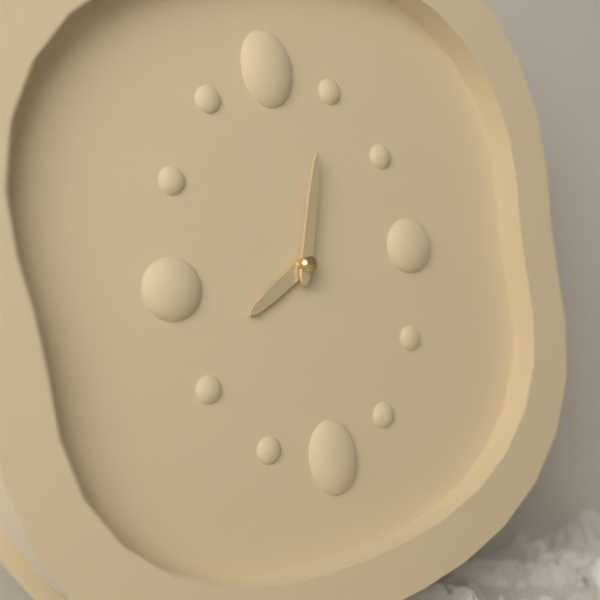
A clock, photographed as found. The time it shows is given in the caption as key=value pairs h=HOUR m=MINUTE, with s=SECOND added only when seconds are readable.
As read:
h=8 m=3
